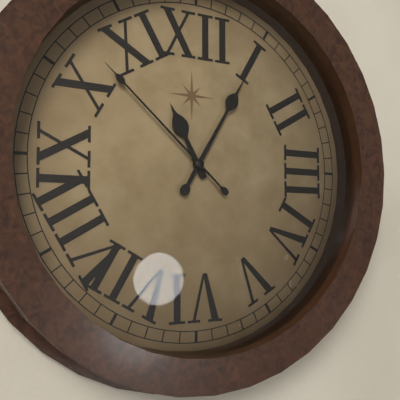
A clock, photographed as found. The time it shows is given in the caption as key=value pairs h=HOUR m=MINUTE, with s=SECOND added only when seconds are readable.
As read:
h=11 m=5 s=52
